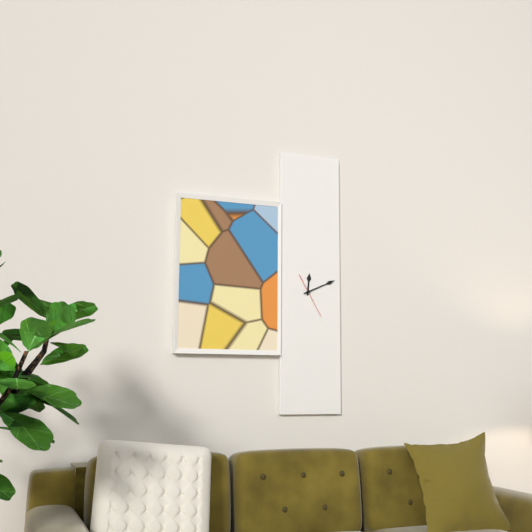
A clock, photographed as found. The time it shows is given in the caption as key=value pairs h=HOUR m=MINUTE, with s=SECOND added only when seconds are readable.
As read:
h=12 m=11
